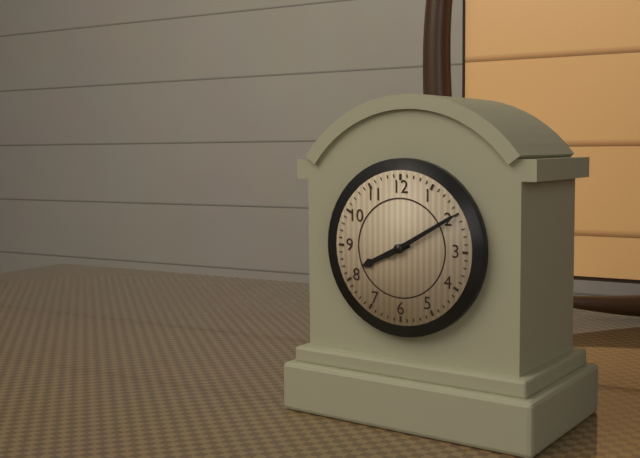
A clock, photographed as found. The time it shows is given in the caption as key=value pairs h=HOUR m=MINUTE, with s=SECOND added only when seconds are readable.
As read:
h=8 m=10
